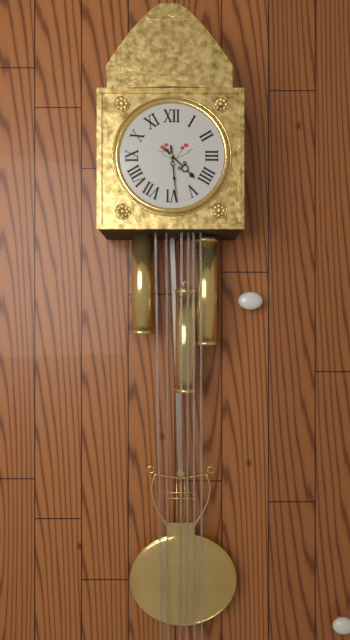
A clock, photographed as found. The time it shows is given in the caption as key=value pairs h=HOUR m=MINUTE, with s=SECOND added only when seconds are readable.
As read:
h=4 m=29
